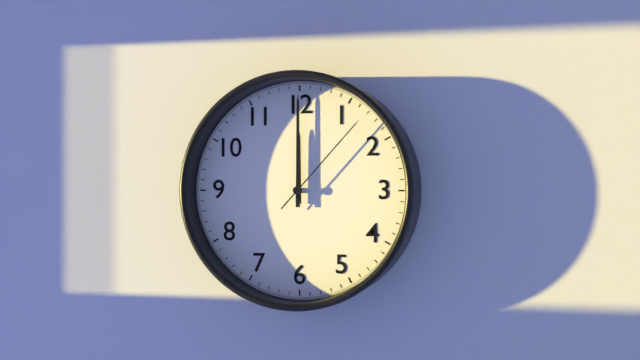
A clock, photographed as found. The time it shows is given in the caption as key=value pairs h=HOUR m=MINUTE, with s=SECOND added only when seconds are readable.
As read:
h=12 m=0 s=7
